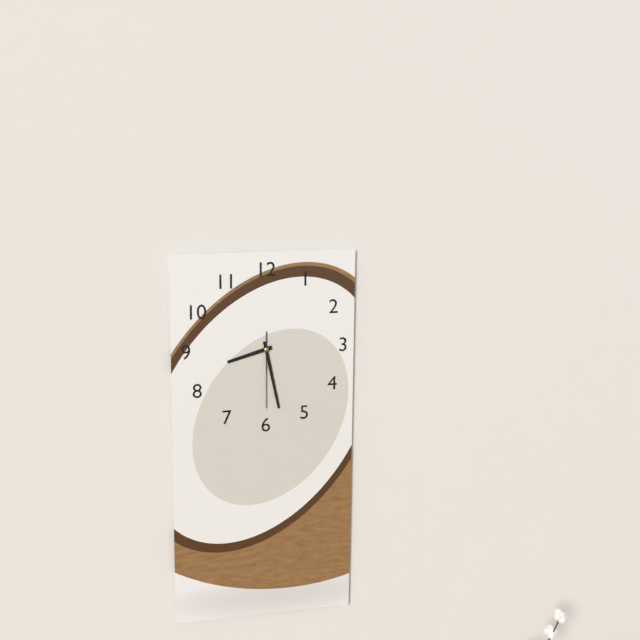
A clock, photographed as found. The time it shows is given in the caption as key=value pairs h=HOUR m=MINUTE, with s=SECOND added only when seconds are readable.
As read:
h=8 m=28 s=30
